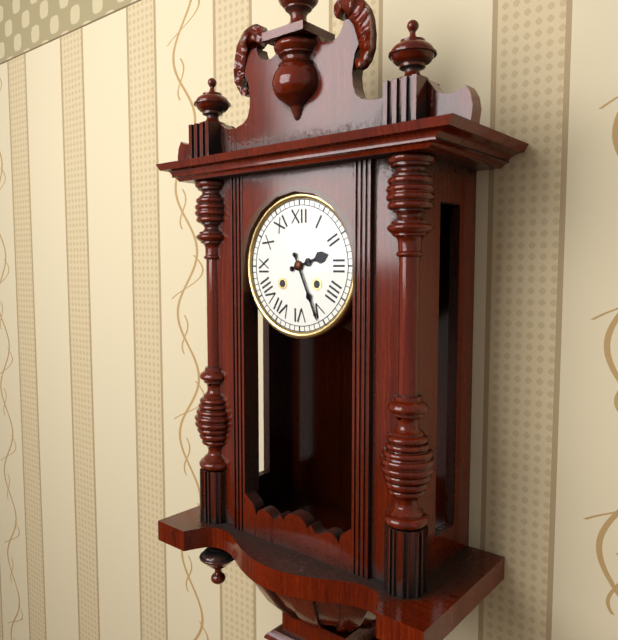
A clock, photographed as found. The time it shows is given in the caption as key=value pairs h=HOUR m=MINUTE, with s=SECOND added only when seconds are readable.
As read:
h=2 m=26
